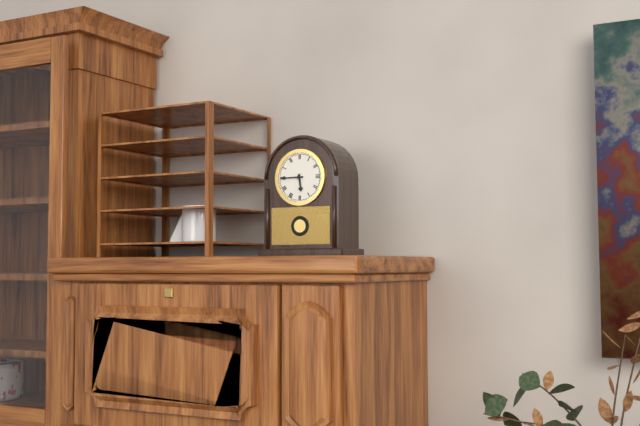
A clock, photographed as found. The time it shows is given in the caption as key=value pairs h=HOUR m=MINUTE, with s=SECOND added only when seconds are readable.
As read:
h=5 m=45
